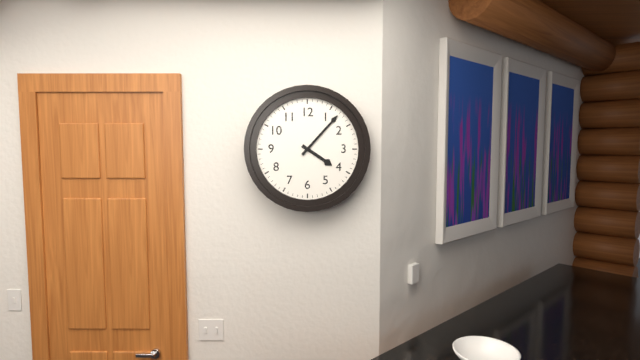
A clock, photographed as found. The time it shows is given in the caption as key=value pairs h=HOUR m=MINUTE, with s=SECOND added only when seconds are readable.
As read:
h=4 m=7
